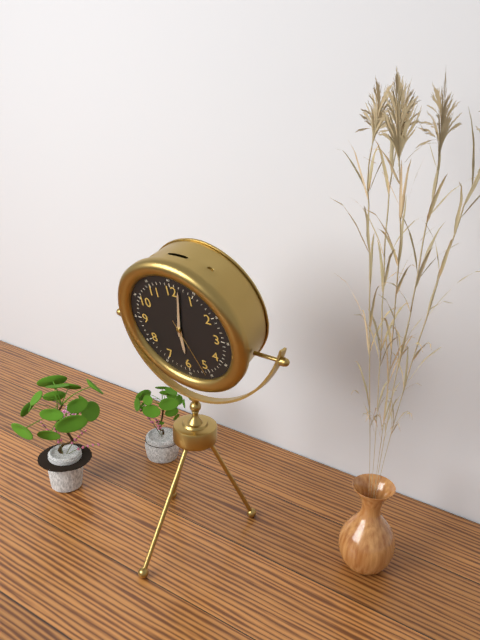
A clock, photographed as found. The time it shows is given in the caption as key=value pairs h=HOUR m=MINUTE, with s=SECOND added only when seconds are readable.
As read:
h=6 m=2 s=26
